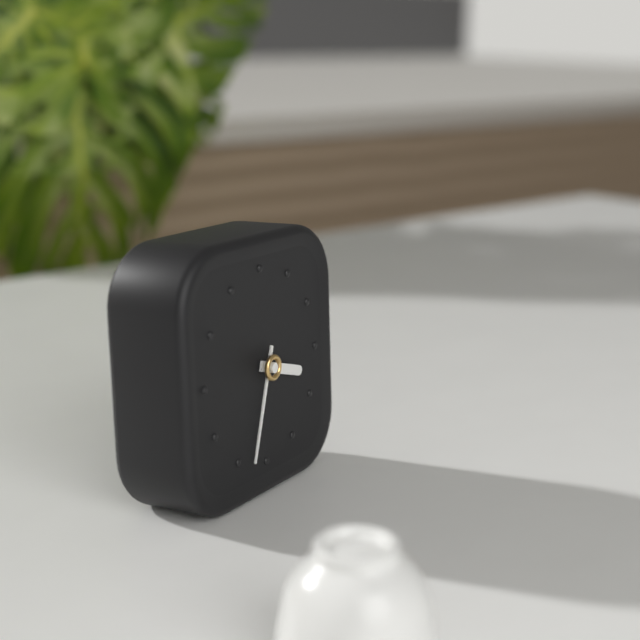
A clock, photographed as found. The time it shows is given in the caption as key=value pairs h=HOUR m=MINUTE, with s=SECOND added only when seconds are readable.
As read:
h=3 m=33
